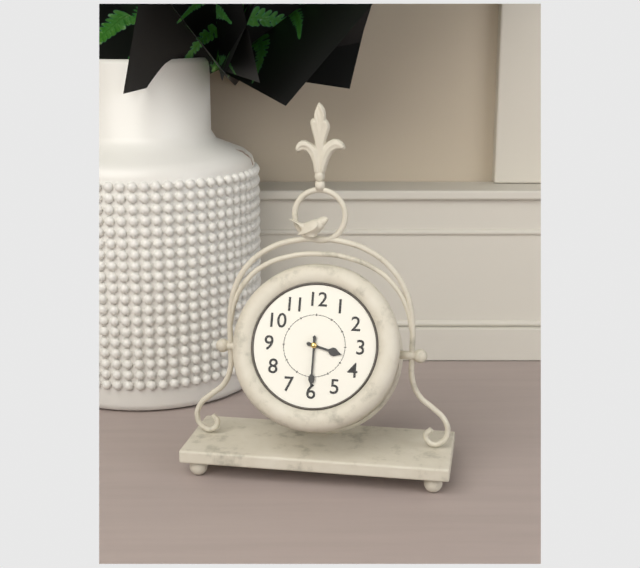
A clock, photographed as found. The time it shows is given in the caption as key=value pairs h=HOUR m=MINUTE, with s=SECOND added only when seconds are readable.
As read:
h=3 m=30
